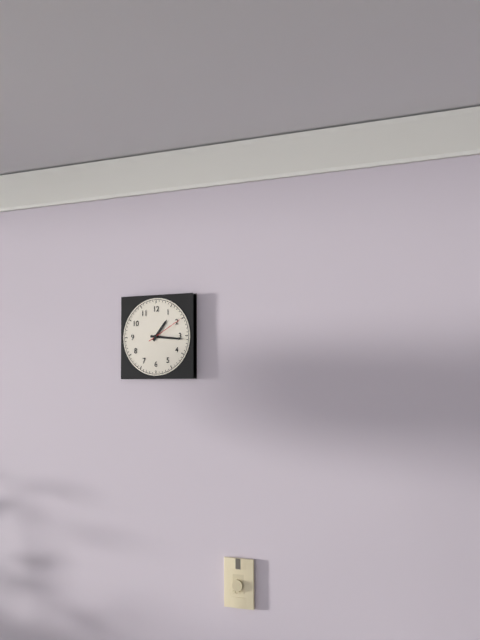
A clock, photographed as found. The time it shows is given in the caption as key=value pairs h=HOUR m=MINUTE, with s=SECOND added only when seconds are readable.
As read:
h=1 m=16
